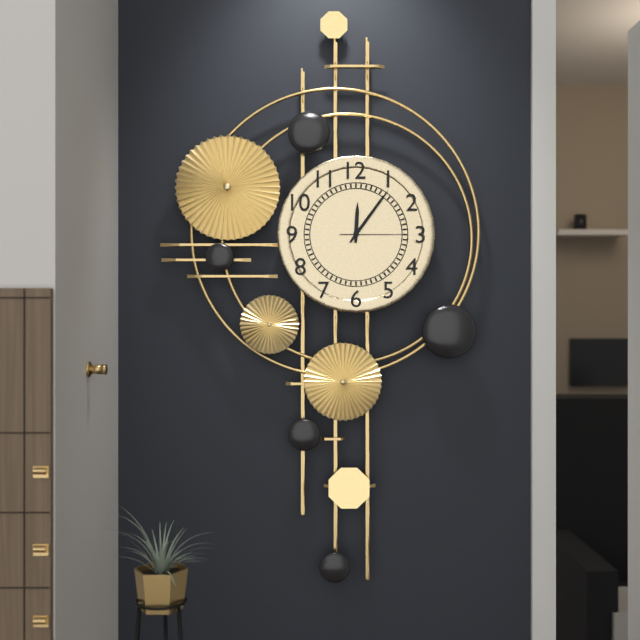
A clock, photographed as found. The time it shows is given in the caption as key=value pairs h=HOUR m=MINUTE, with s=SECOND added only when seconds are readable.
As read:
h=12 m=6 s=15
